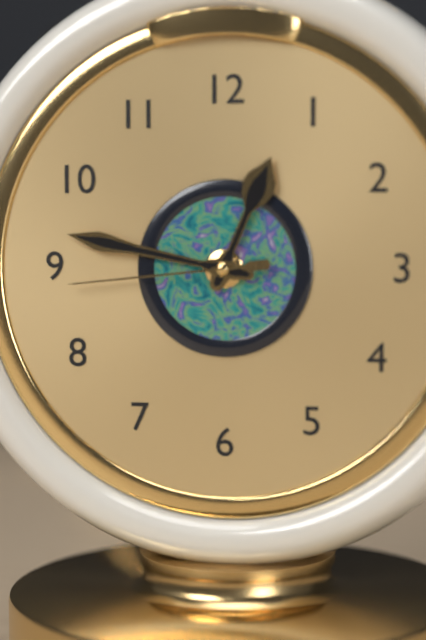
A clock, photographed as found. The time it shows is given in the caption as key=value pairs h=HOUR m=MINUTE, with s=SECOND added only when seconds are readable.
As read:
h=12 m=47 s=44
